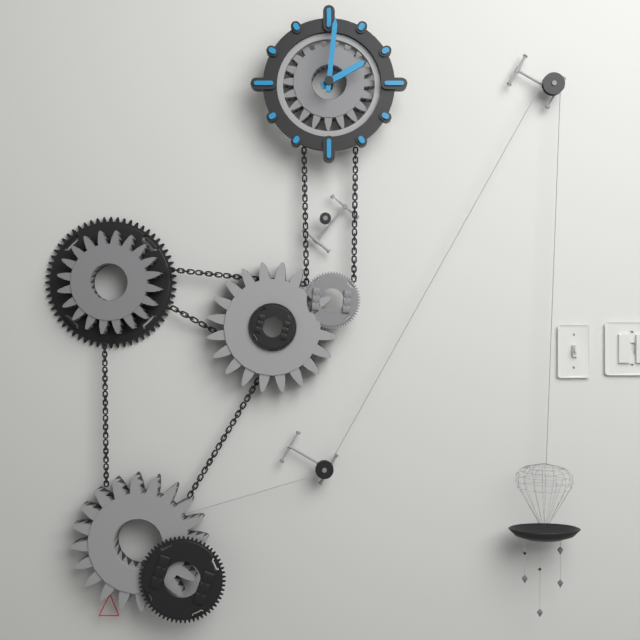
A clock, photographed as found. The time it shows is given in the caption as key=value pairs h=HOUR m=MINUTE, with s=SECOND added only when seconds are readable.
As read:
h=2 m=1
